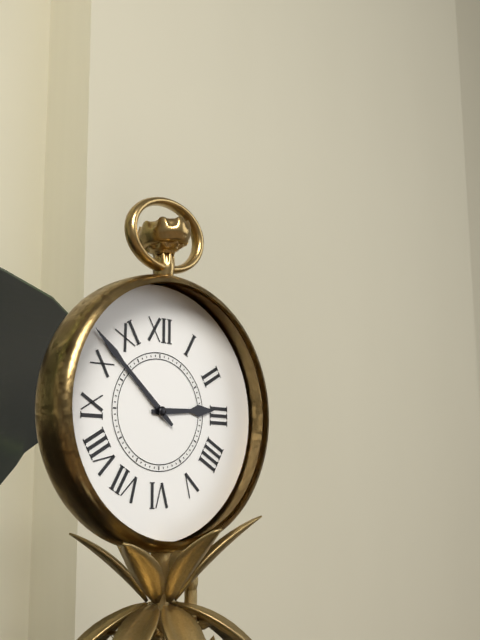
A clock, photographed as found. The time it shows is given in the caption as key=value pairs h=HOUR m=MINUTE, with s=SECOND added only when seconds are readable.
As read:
h=2 m=52
